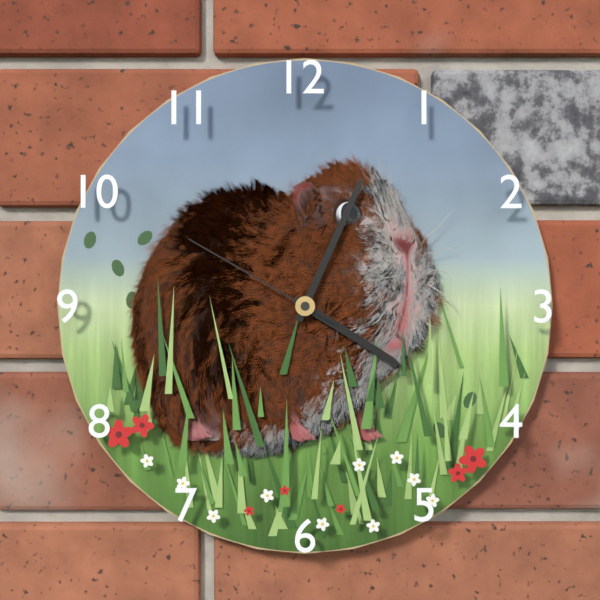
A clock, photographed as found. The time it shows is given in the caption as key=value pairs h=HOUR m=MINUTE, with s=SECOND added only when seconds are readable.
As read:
h=4 m=4 s=50
